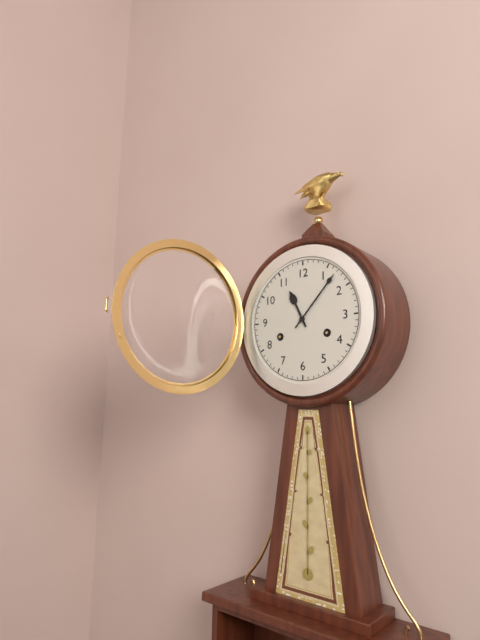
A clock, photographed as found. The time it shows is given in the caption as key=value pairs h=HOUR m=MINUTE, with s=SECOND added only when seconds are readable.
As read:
h=11 m=7
